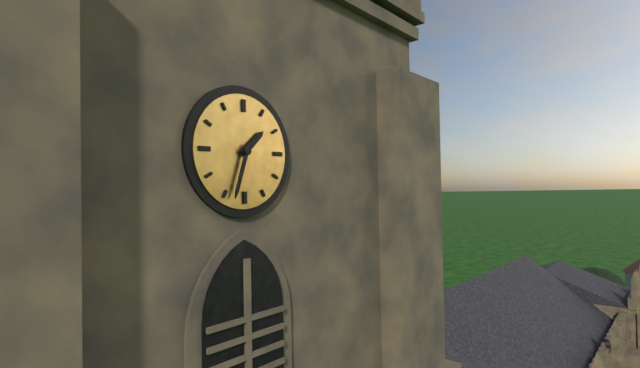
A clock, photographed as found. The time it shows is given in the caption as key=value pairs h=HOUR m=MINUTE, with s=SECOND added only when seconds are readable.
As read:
h=1 m=33
